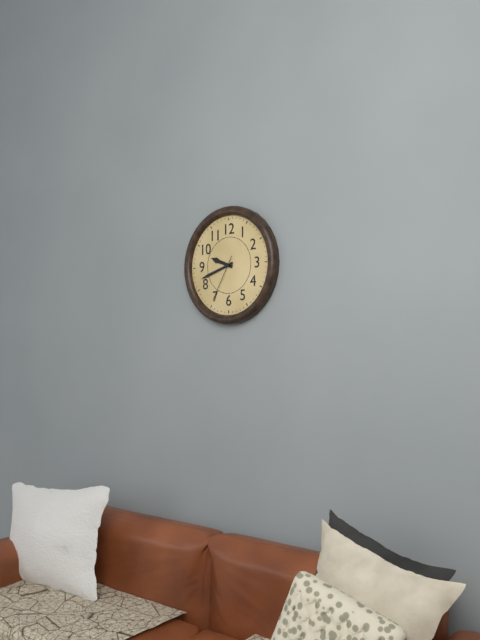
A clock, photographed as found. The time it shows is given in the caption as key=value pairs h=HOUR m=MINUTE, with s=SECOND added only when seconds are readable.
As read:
h=9 m=42
